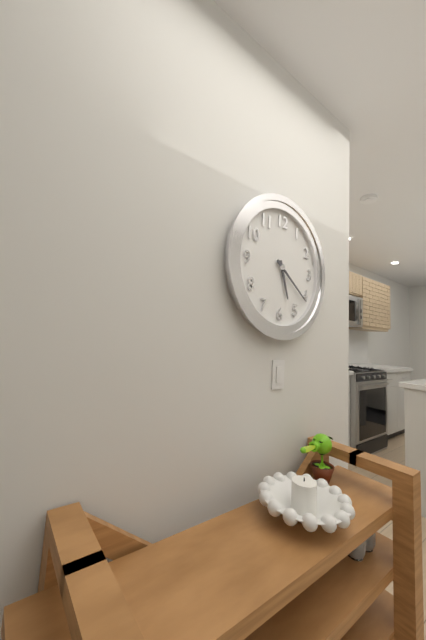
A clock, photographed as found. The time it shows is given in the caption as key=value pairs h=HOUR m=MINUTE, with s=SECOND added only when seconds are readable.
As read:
h=5 m=21
